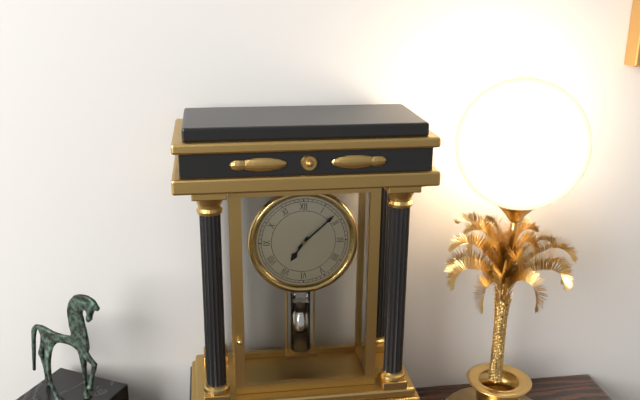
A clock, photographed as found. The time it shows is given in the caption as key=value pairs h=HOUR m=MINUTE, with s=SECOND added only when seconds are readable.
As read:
h=7 m=8
